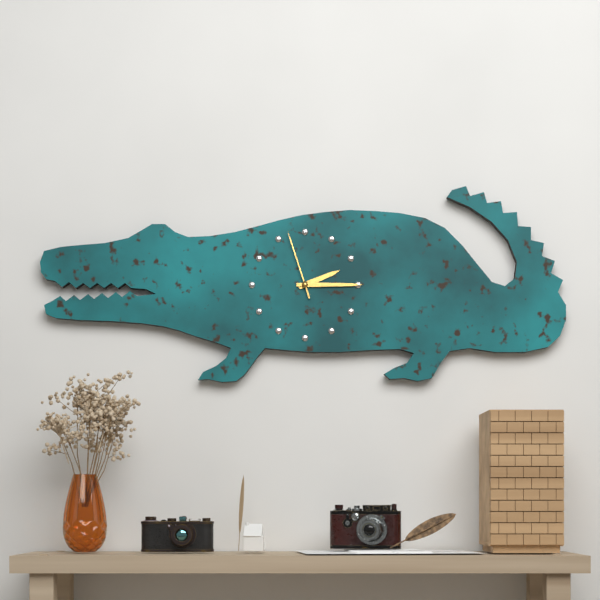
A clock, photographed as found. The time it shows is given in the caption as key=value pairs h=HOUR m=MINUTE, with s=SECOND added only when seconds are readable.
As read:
h=2 m=15 s=57
